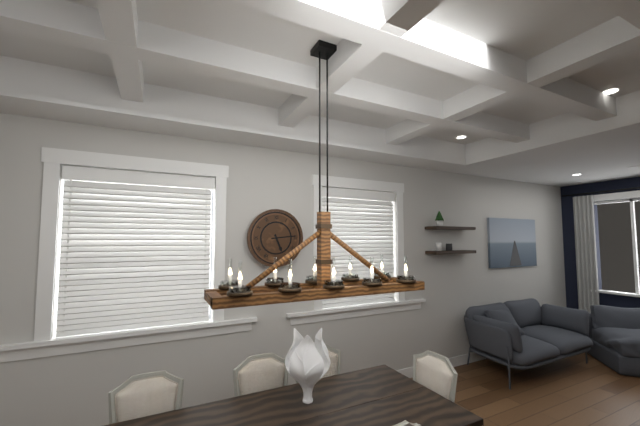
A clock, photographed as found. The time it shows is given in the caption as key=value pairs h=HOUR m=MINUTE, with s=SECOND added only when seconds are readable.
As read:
h=5 m=14
